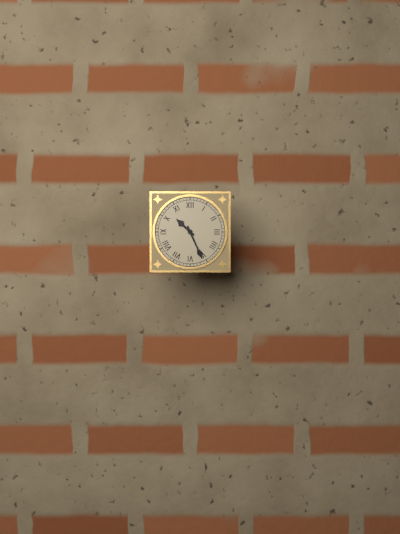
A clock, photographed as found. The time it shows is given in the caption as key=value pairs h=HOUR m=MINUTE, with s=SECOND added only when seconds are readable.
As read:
h=10 m=26
